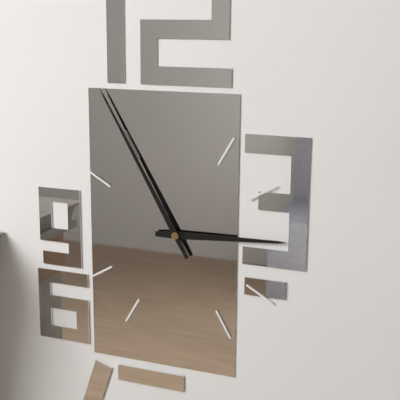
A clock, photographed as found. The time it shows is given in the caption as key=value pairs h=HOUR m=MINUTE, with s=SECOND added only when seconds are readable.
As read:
h=2 m=55
